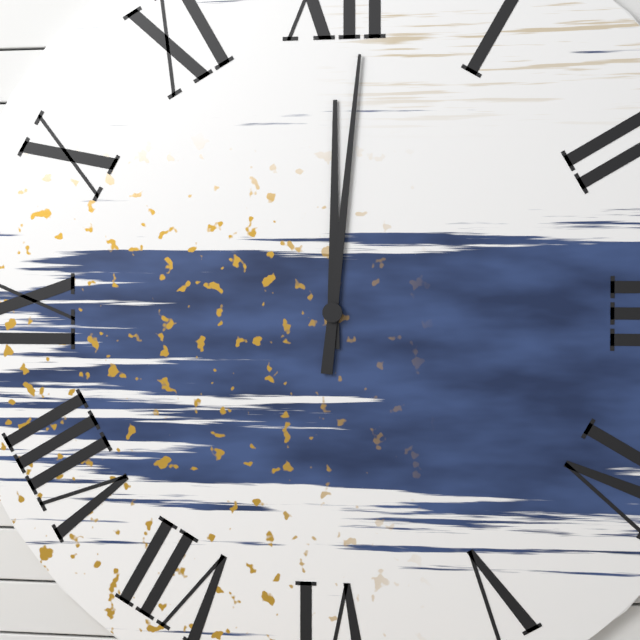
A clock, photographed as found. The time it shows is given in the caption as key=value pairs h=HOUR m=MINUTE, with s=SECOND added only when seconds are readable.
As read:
h=12 m=1
